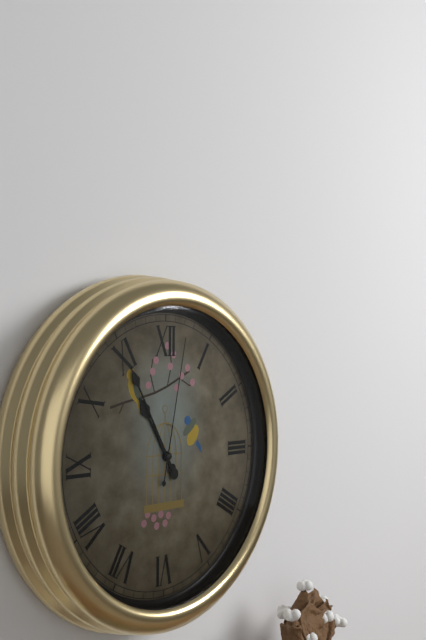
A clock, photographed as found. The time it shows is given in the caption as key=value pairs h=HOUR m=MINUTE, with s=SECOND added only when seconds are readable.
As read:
h=10 m=55 s=2
